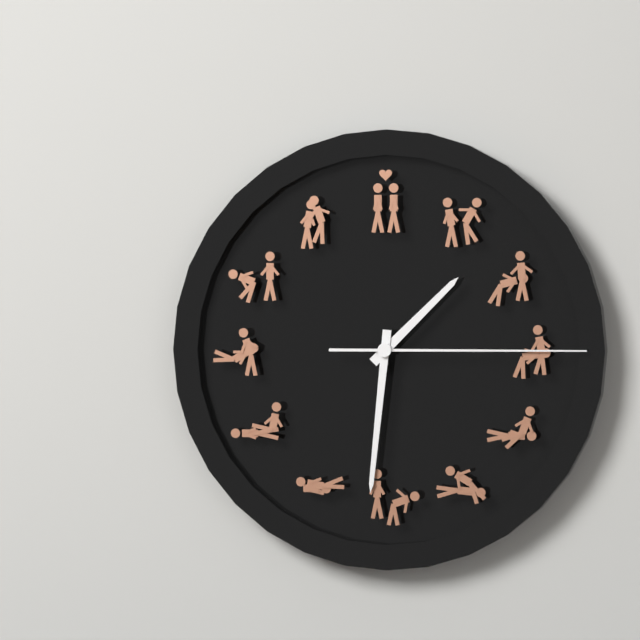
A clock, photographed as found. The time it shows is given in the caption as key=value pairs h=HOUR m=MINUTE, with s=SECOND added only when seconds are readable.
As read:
h=1 m=31 s=15
